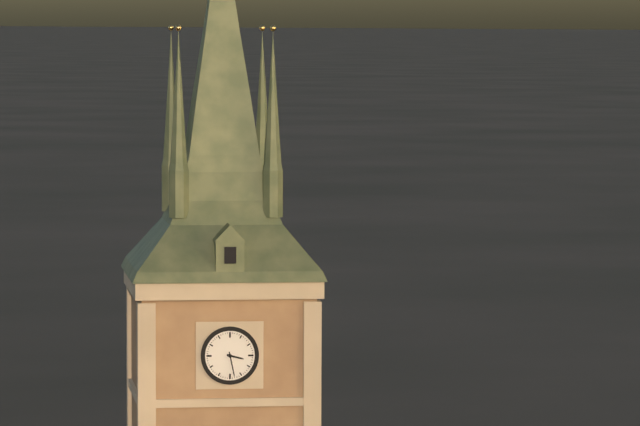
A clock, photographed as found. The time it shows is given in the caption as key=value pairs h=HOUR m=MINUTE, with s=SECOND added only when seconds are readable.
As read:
h=3 m=28
